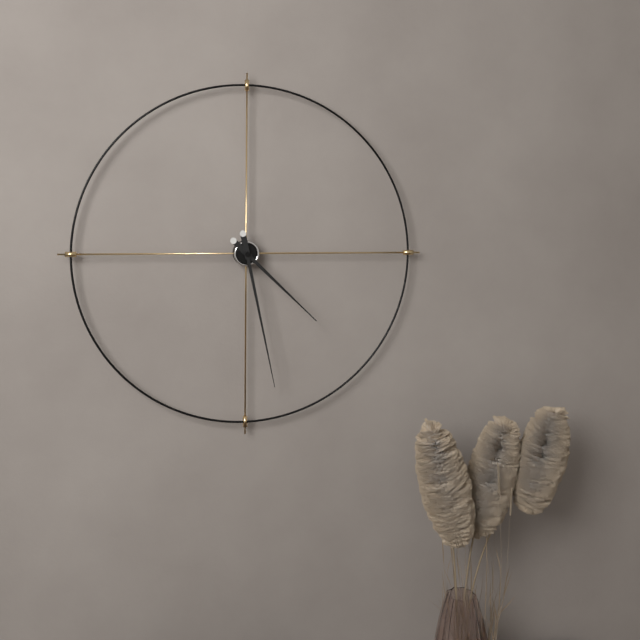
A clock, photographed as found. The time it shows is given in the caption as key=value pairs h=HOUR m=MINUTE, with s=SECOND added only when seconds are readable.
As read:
h=4 m=28
